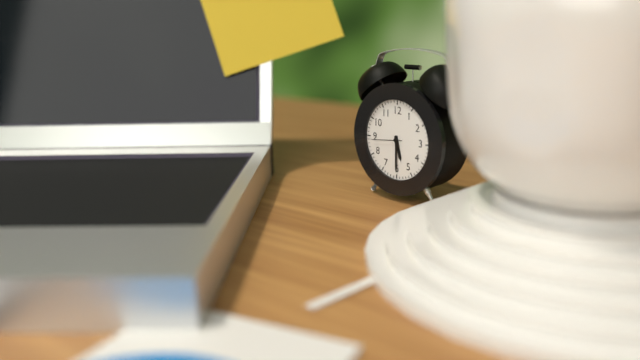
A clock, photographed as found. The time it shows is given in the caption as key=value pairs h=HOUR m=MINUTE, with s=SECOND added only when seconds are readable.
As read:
h=5 m=30
